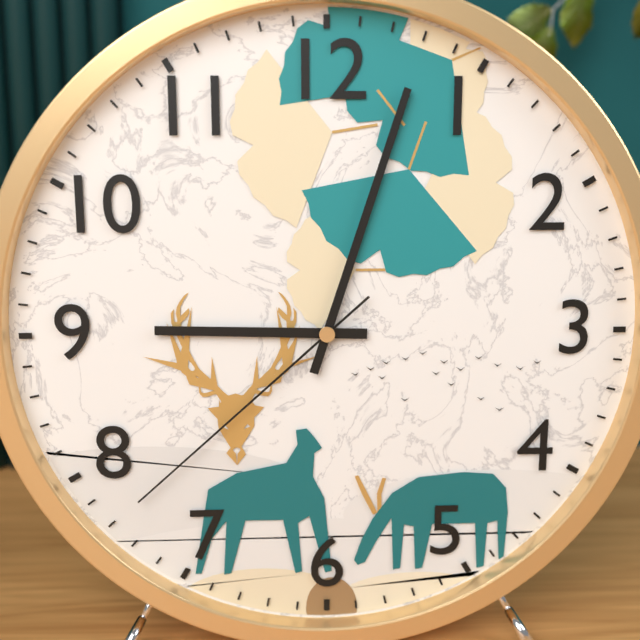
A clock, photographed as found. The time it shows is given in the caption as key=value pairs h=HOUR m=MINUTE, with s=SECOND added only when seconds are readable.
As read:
h=9 m=3 s=38
